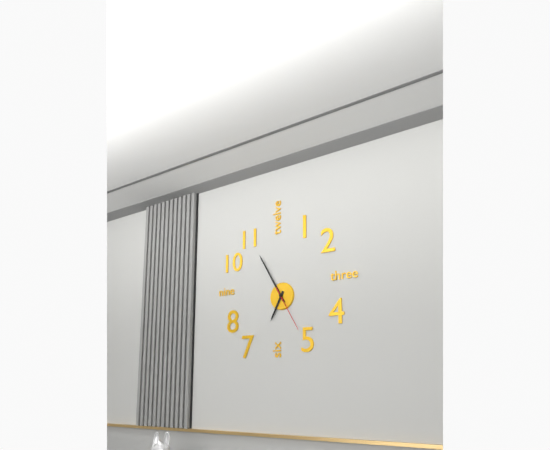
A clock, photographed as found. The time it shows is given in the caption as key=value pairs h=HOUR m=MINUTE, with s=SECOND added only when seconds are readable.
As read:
h=6 m=55
